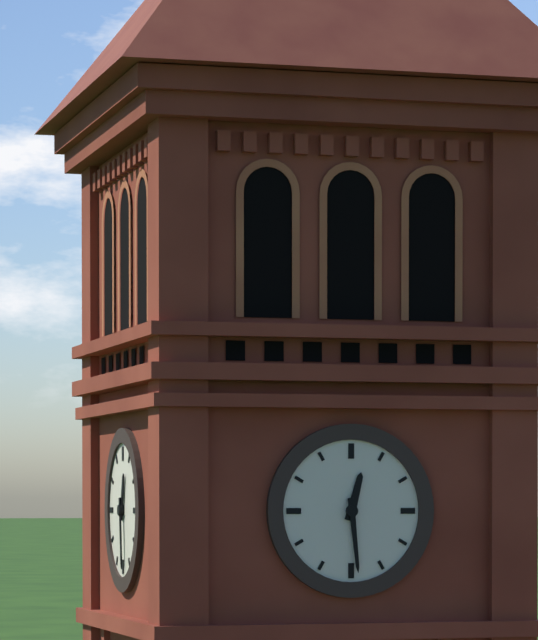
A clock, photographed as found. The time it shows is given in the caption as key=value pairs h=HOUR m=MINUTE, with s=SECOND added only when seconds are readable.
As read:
h=12 m=29
